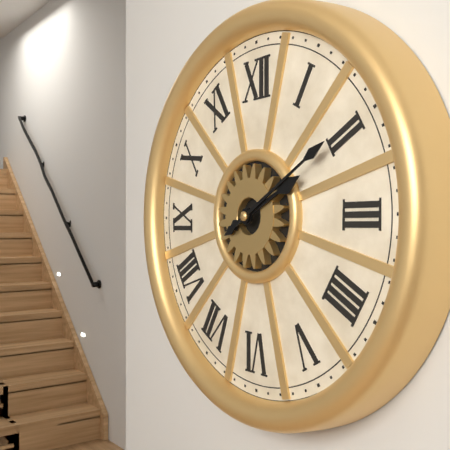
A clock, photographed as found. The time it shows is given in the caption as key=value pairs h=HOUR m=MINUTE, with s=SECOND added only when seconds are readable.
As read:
h=2 m=10
